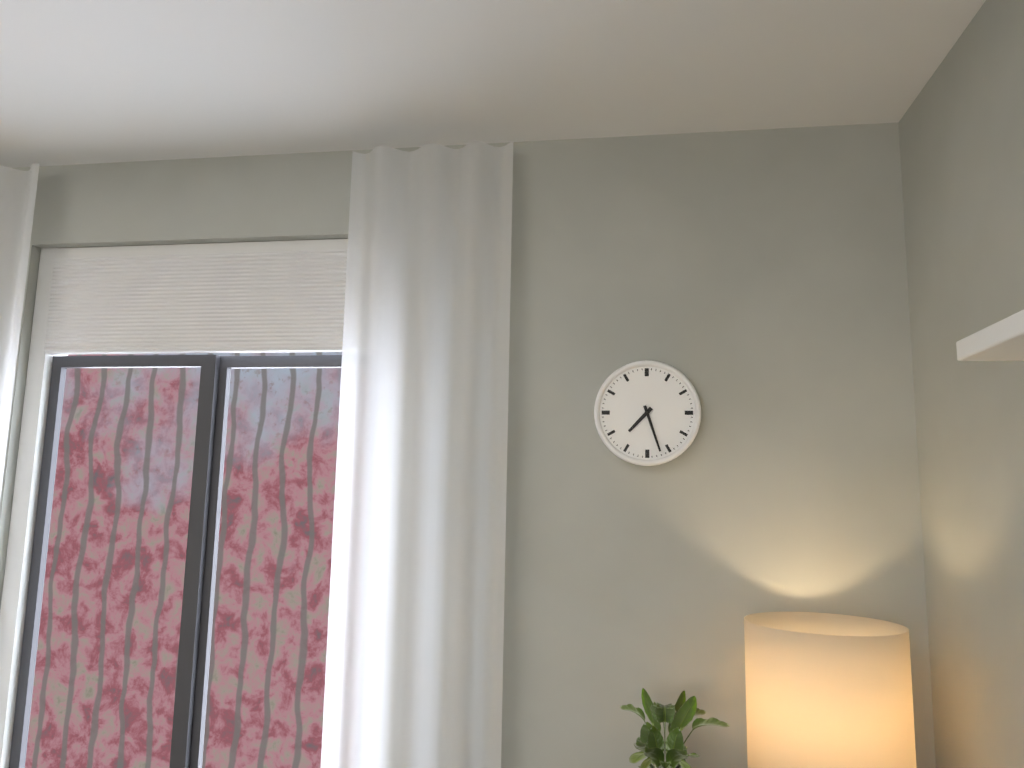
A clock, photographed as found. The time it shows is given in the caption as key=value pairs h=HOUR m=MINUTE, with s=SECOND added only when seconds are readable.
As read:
h=7 m=27
